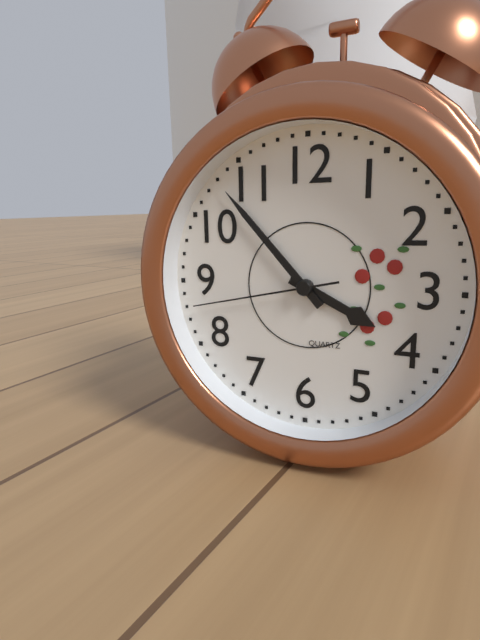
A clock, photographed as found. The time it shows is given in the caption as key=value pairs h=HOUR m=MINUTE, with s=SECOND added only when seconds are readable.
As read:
h=3 m=53 s=43
